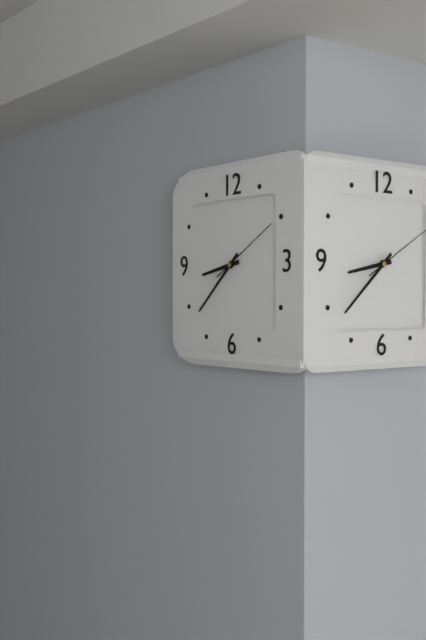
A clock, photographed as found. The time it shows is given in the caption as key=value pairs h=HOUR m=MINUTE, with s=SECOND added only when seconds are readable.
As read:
h=8 m=38 s=10
